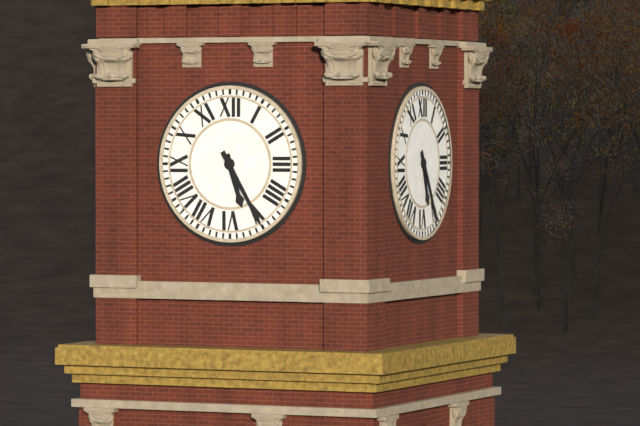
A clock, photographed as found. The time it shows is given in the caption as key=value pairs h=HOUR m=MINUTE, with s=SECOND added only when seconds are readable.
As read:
h=5 m=25
